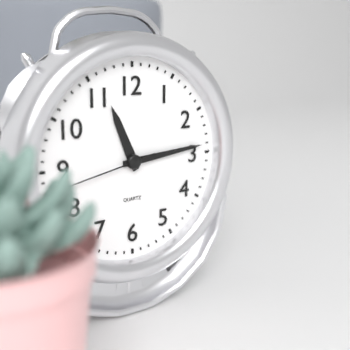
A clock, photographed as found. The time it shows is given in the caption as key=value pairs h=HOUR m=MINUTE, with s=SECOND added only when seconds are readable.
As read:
h=11 m=14 s=43
